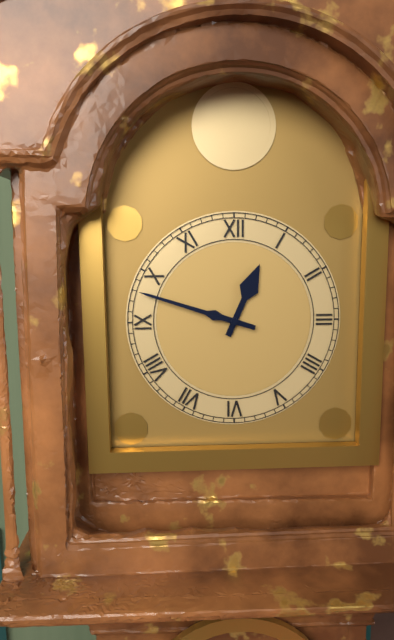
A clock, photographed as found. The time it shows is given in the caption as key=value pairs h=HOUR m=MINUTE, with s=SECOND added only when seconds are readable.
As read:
h=12 m=48
